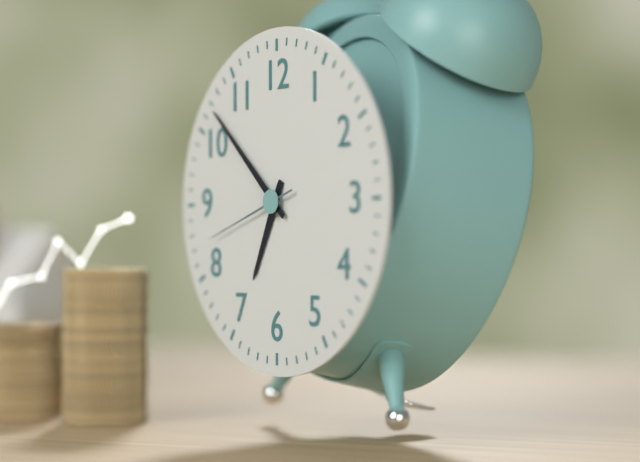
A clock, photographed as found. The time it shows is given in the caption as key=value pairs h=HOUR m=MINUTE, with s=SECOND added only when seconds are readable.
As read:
h=6 m=52 s=42
